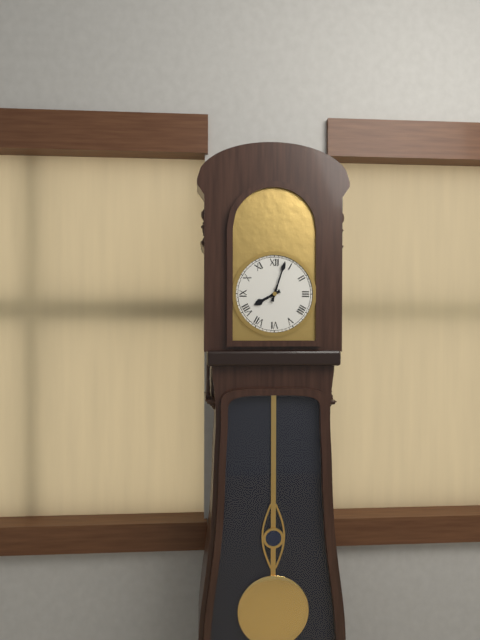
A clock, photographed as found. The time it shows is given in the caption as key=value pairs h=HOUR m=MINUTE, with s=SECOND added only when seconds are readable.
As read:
h=8 m=3
